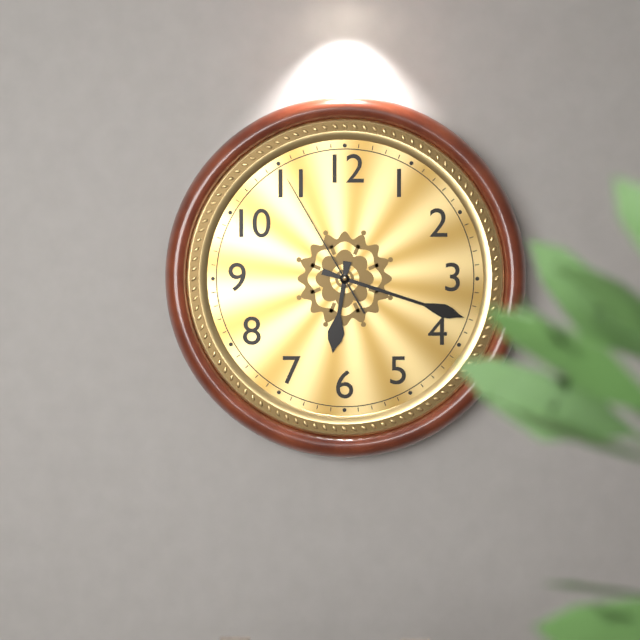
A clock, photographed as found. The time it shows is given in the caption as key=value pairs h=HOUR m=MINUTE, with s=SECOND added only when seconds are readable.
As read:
h=6 m=18 s=55
